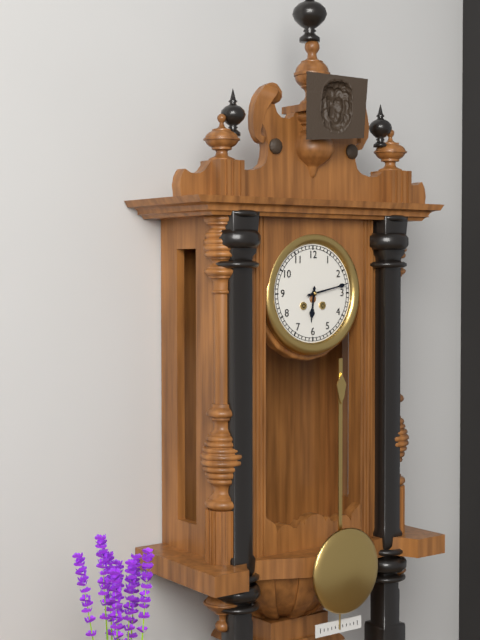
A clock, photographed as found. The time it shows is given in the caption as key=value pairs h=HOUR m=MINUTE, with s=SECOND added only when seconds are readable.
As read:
h=6 m=13
